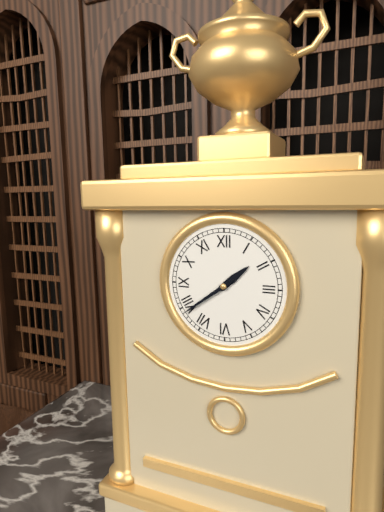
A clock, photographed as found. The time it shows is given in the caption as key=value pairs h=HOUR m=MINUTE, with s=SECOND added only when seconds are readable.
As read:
h=1 m=39
